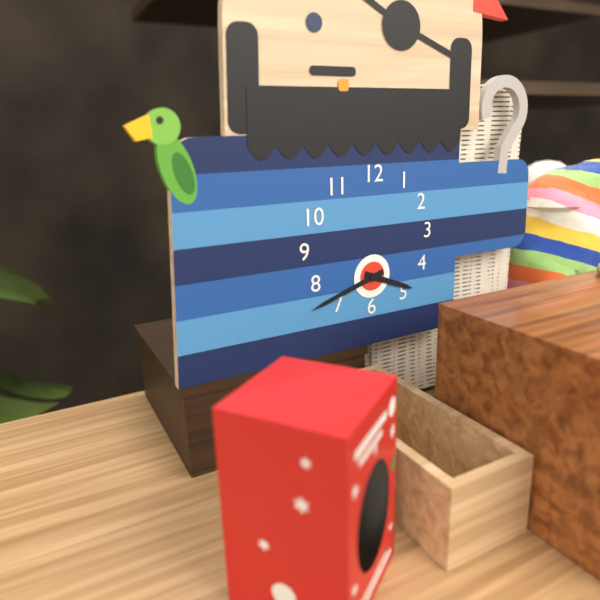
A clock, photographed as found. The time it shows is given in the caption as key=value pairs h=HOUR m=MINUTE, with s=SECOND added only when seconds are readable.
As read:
h=3 m=42
